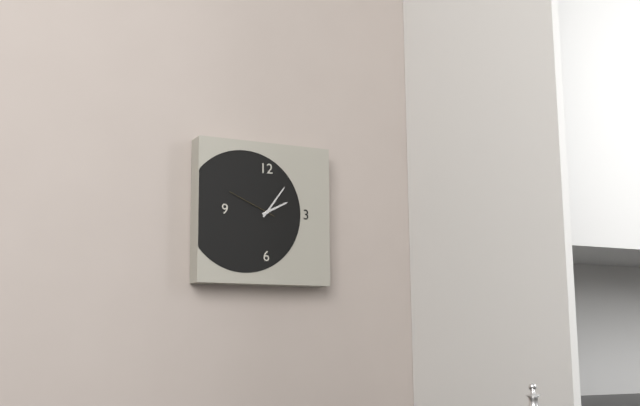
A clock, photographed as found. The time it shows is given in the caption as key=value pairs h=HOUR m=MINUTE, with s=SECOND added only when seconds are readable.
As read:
h=2 m=6 s=49
